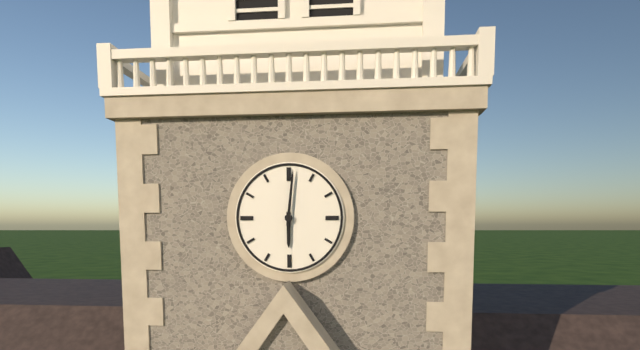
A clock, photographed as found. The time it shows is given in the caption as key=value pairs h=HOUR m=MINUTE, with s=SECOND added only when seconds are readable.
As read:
h=6 m=1
